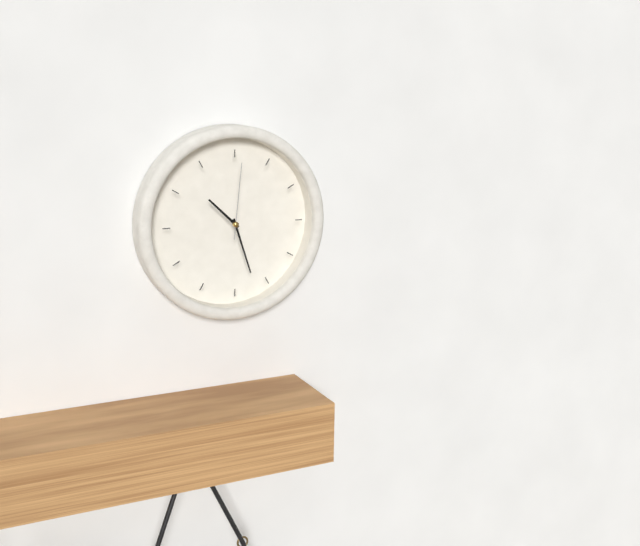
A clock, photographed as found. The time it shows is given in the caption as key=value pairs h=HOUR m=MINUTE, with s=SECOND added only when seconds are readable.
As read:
h=10 m=27 s=1
